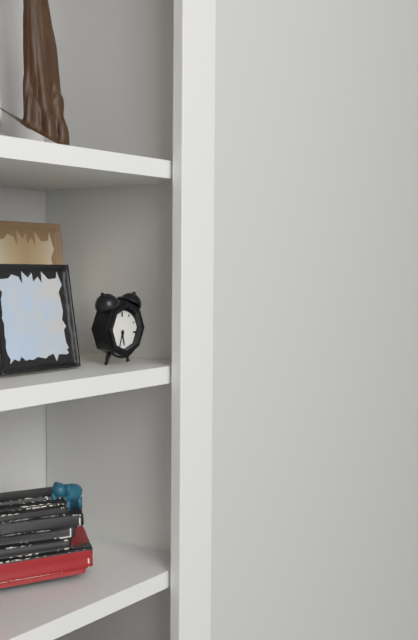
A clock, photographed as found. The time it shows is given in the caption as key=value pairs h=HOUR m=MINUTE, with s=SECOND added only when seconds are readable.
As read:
h=5 m=33
